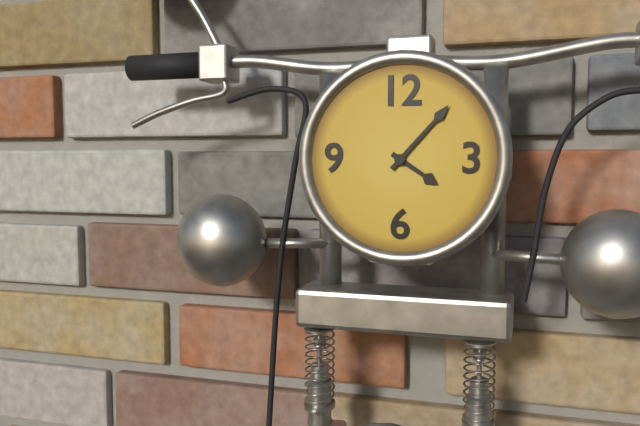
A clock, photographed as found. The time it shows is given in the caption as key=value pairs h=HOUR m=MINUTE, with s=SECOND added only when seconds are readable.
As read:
h=4 m=7
